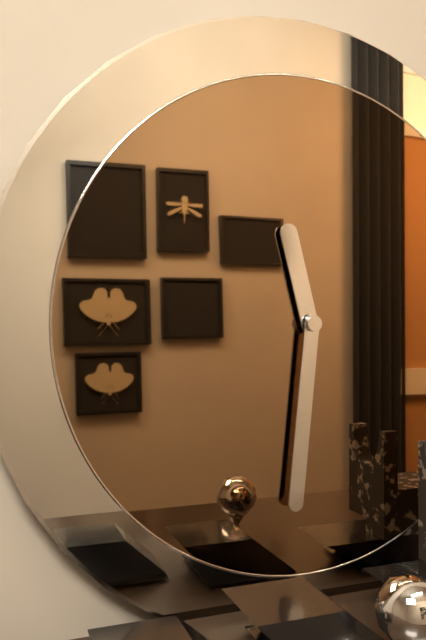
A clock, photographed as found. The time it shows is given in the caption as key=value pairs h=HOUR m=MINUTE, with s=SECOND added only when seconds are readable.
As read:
h=11 m=31
